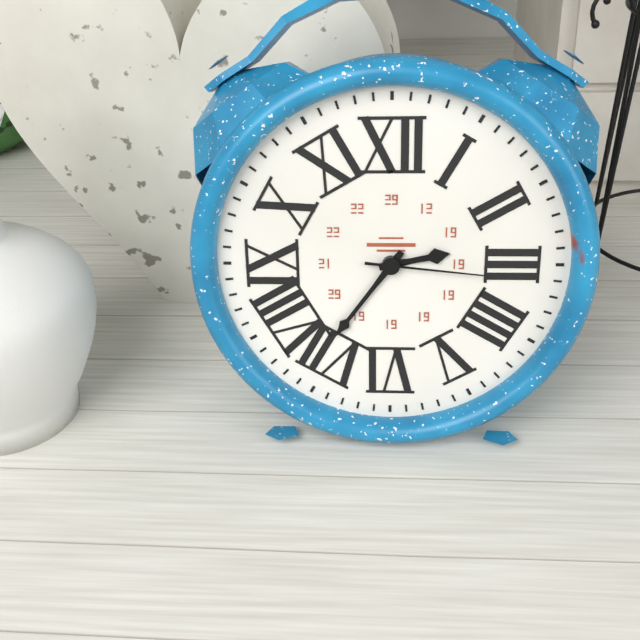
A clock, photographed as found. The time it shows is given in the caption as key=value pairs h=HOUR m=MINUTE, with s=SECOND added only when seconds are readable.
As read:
h=2 m=36 s=16
